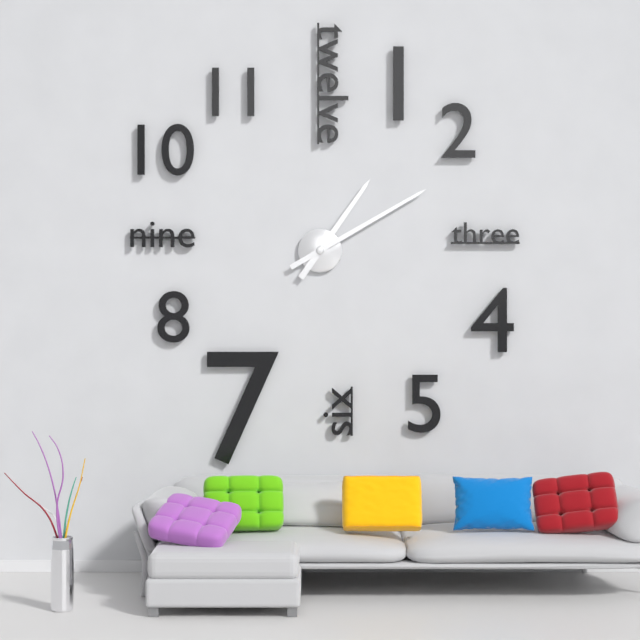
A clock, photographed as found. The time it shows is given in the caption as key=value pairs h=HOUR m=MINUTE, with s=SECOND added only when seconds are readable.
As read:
h=1 m=10
